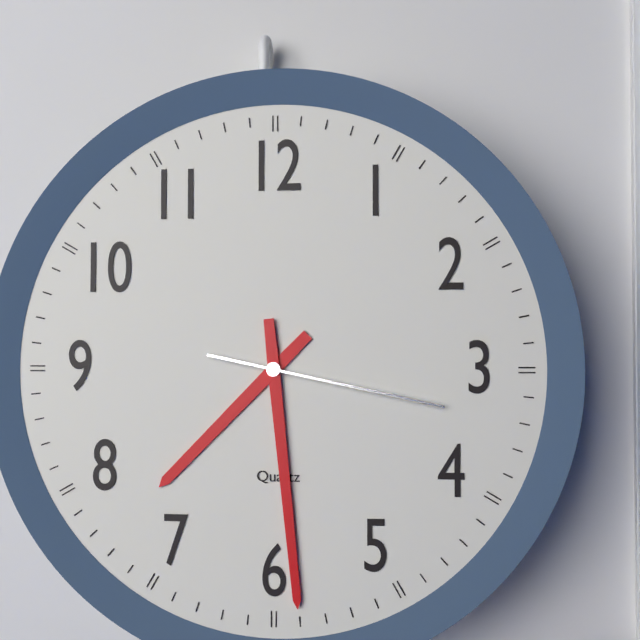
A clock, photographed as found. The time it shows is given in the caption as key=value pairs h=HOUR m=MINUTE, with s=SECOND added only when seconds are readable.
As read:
h=7 m=29 s=17
